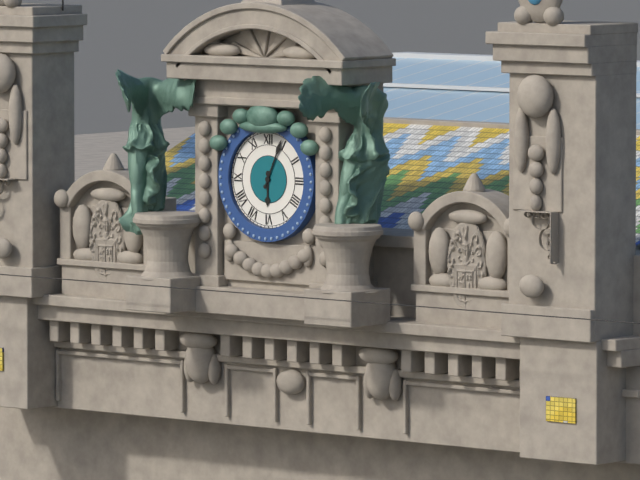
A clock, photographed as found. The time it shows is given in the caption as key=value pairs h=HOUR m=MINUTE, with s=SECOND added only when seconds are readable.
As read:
h=6 m=4
